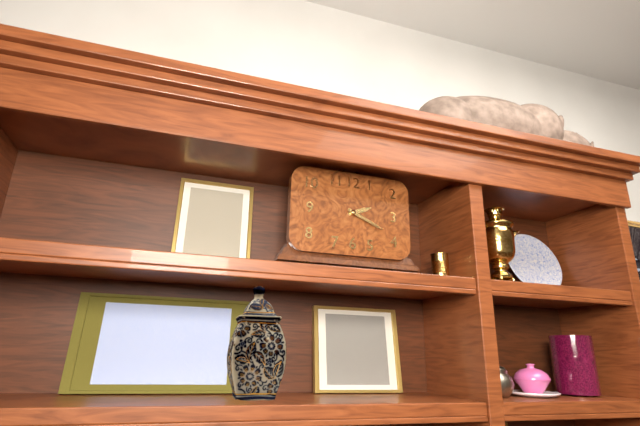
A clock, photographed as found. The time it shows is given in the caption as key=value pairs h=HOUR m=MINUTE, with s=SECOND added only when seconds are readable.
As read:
h=2 m=19
